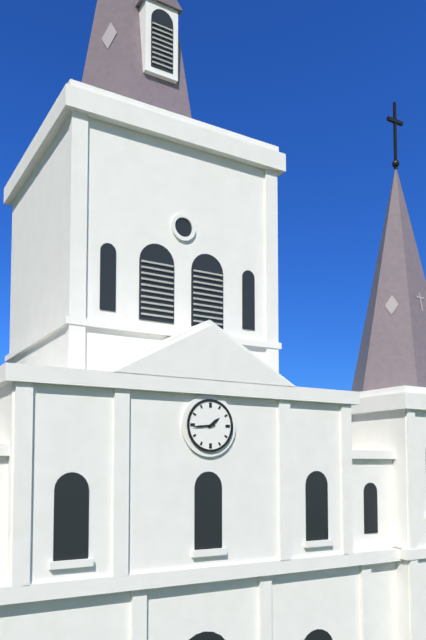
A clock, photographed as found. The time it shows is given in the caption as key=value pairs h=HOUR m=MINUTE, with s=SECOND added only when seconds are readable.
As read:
h=1 m=44
